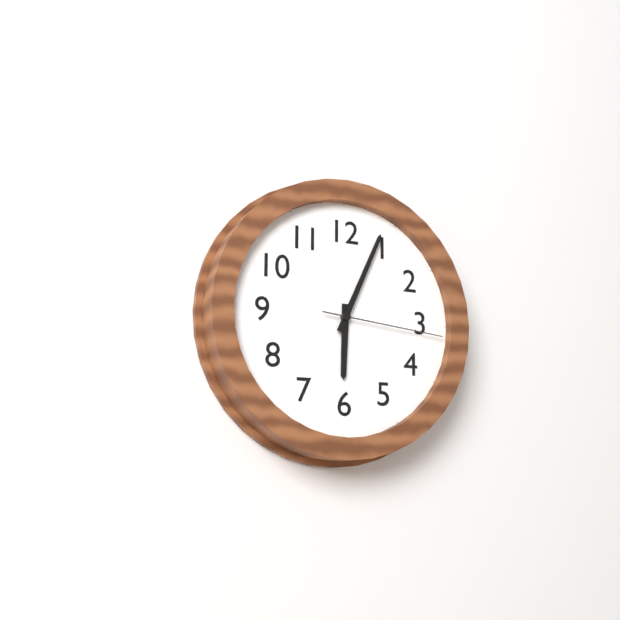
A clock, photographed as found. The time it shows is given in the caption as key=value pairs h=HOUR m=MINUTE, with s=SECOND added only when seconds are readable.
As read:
h=6 m=4 s=16
